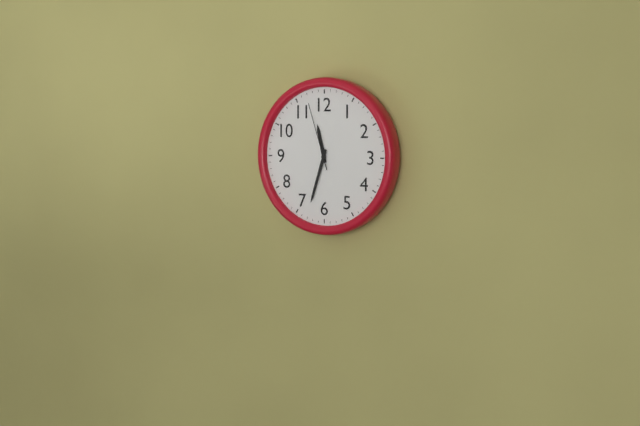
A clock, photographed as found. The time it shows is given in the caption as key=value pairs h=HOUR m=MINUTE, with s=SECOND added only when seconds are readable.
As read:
h=11 m=33 s=57
